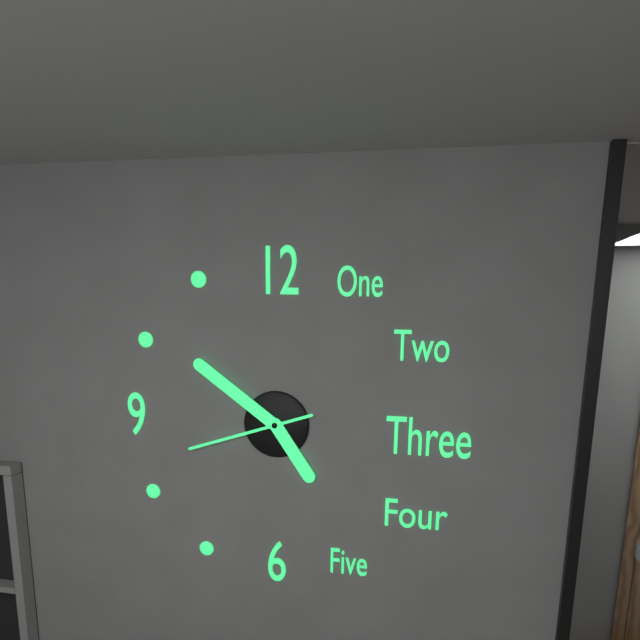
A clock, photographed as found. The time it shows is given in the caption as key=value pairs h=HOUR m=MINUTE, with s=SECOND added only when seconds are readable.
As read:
h=4 m=51 s=42
